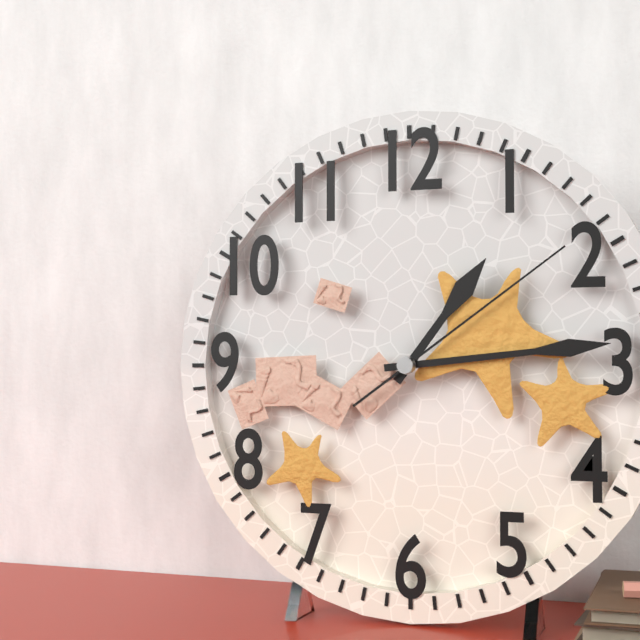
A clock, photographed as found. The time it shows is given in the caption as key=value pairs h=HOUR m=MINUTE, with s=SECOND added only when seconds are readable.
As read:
h=1 m=14 s=9
